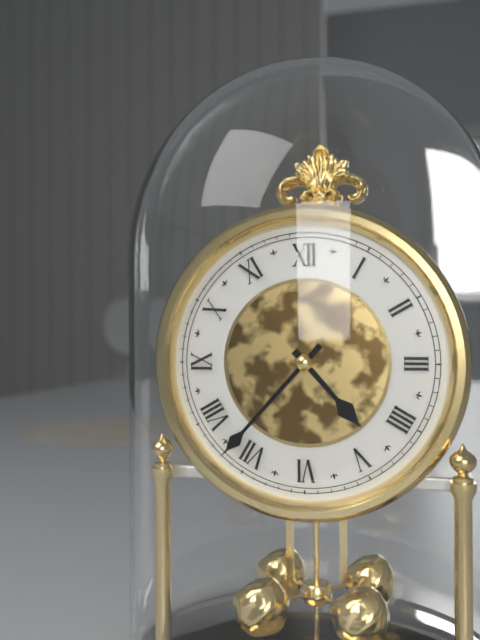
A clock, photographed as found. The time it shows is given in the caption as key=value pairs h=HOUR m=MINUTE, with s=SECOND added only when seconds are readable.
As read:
h=4 m=37
